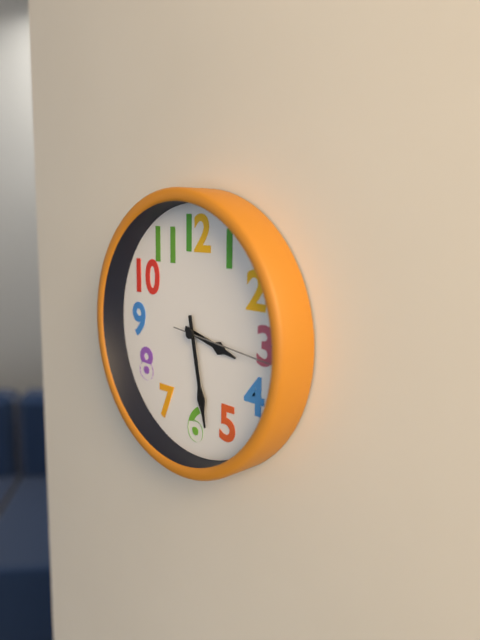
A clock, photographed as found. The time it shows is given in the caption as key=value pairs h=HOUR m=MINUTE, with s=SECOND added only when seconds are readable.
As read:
h=3 m=28 s=16
